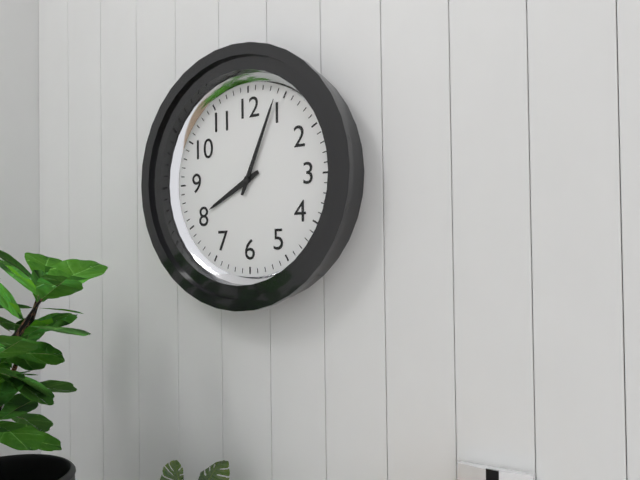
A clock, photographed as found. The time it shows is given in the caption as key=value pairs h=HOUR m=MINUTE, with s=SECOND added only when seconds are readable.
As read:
h=8 m=4
